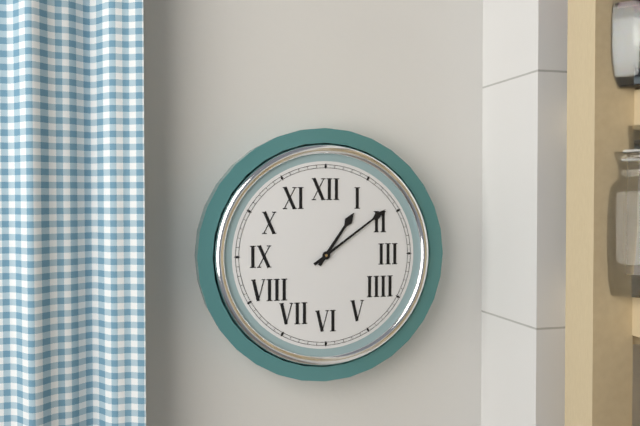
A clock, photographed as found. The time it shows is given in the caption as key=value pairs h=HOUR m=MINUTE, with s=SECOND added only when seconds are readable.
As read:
h=1 m=9
